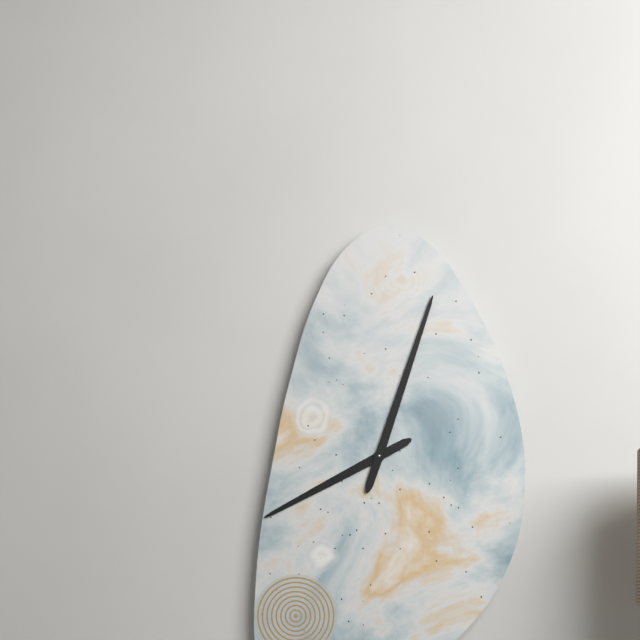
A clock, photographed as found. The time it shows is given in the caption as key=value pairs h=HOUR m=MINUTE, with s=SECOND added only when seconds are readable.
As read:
h=8 m=3
